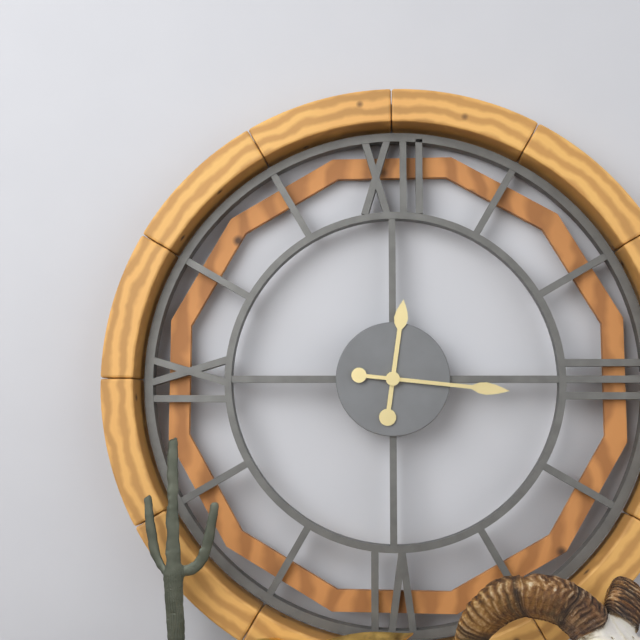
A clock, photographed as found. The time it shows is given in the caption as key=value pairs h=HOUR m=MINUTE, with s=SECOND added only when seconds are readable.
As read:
h=12 m=16
